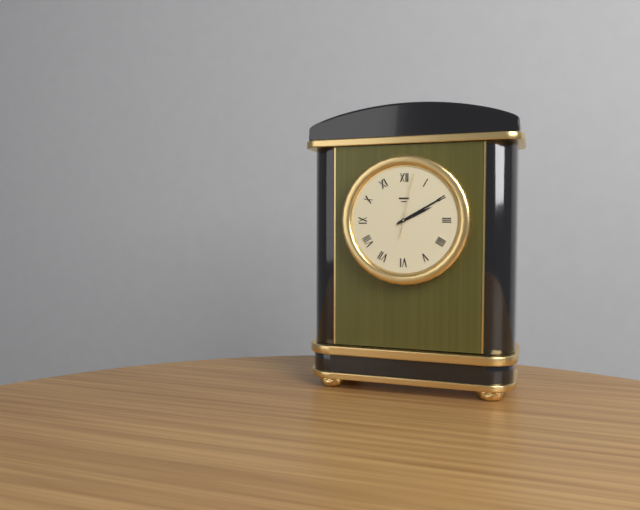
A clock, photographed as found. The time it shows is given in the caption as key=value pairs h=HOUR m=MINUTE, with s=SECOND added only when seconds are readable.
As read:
h=2 m=10 s=2
